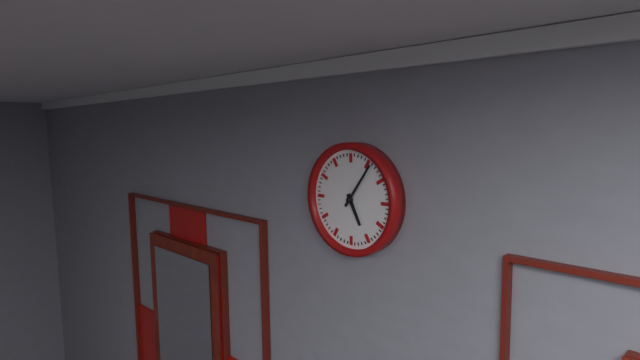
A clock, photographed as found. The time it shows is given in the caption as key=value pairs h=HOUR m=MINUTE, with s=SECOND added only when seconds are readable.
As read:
h=5 m=6
